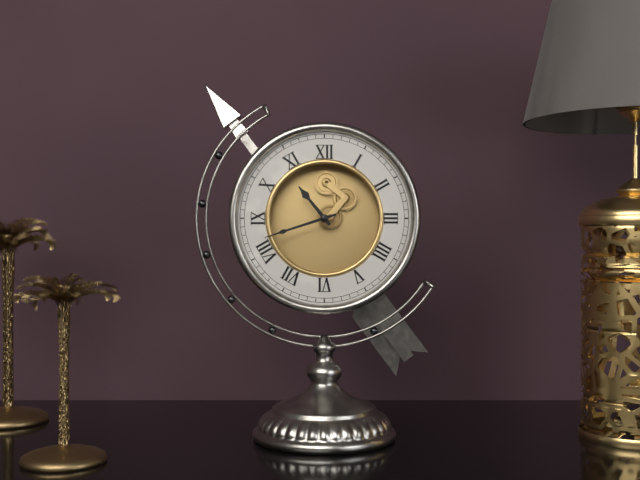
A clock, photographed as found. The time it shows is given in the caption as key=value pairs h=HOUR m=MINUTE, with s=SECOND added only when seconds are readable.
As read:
h=10 m=42
